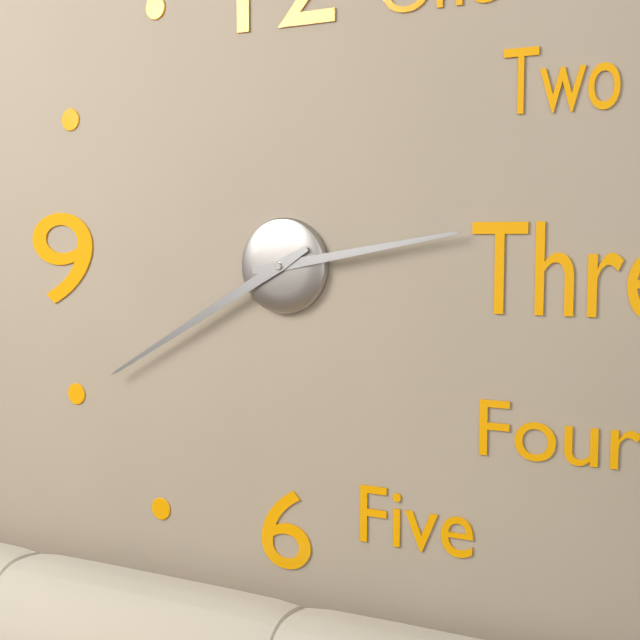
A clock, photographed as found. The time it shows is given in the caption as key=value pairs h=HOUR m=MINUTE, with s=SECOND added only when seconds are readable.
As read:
h=2 m=40
